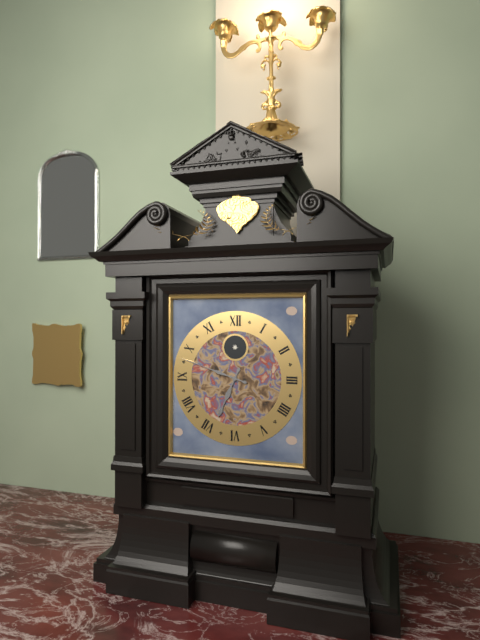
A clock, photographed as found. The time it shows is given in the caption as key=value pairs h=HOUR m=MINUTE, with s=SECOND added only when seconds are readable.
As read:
h=6 m=48
